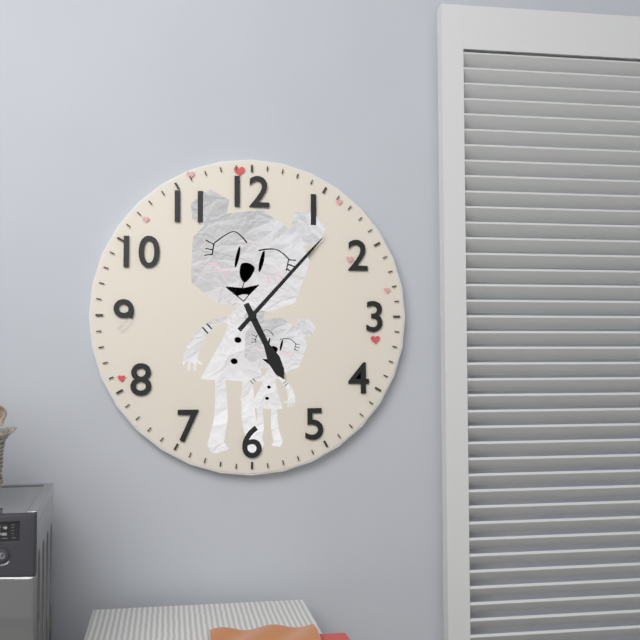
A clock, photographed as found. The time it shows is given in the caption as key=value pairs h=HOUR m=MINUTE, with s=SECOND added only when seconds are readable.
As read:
h=5 m=7
